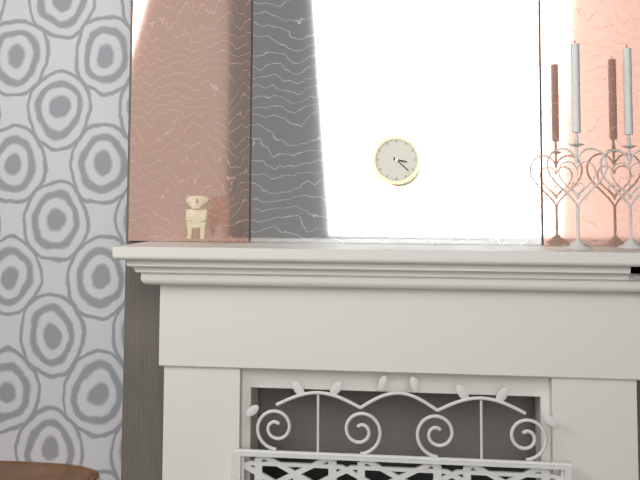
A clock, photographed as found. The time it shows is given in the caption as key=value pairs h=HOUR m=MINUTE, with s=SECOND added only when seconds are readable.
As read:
h=3 m=22
